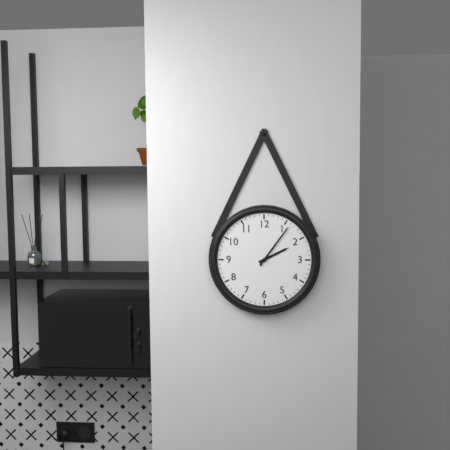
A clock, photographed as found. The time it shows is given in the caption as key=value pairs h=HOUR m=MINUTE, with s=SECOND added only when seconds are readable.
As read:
h=2 m=6
